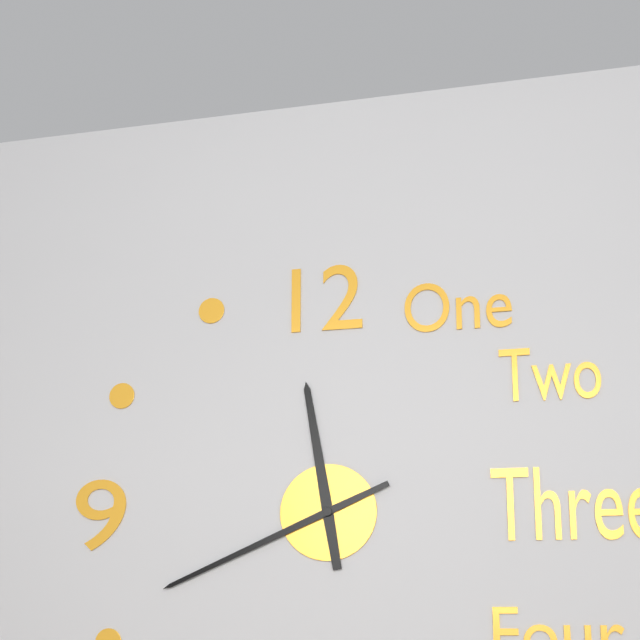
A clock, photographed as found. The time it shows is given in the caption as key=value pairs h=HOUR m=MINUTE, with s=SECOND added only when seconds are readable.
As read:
h=11 m=41
